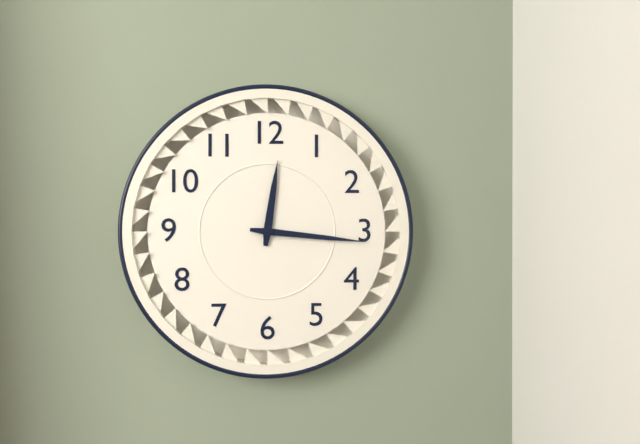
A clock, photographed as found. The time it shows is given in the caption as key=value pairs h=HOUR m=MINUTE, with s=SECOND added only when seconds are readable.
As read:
h=12 m=16
